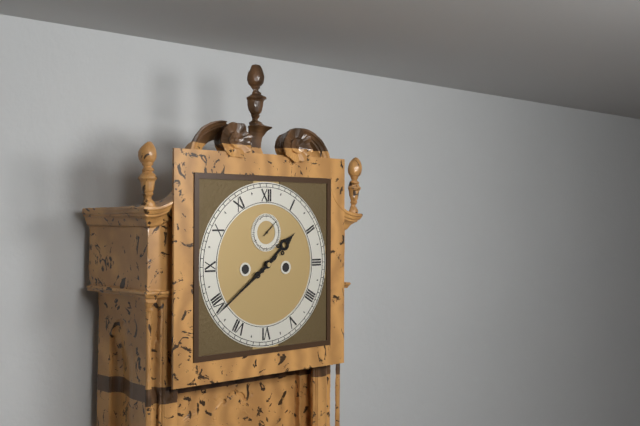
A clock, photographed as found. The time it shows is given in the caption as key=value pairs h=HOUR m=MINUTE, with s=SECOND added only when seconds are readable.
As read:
h=1 m=39
